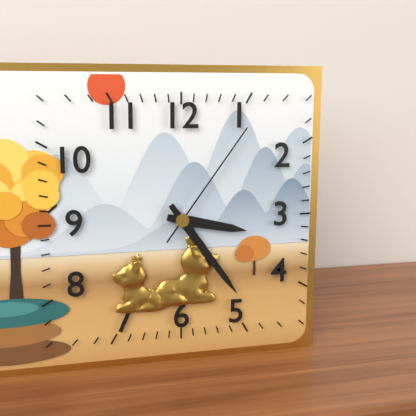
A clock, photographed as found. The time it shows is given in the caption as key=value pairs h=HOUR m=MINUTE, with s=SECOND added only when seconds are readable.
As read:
h=3 m=24 s=6
